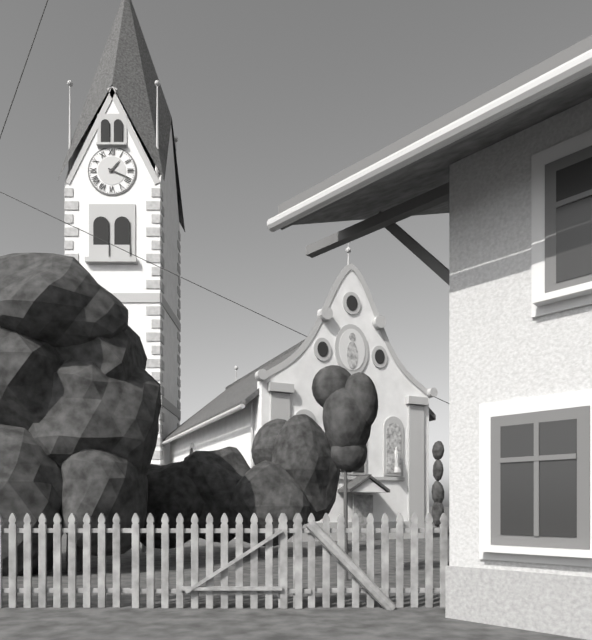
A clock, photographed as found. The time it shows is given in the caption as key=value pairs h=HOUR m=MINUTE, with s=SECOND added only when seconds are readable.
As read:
h=1 m=19
